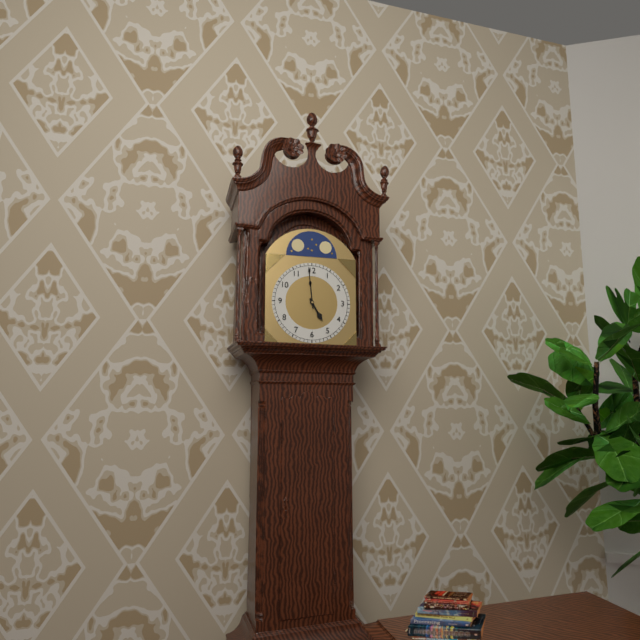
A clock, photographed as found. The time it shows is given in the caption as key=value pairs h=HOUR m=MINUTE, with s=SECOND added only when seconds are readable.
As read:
h=4 m=59
